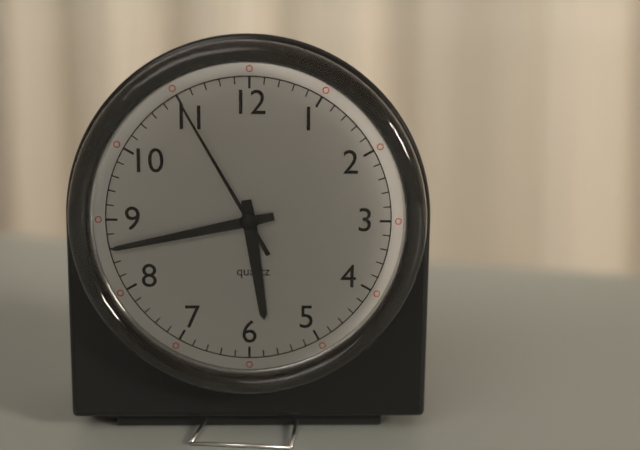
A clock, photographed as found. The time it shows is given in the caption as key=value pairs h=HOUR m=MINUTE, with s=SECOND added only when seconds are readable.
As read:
h=5 m=43 s=55
